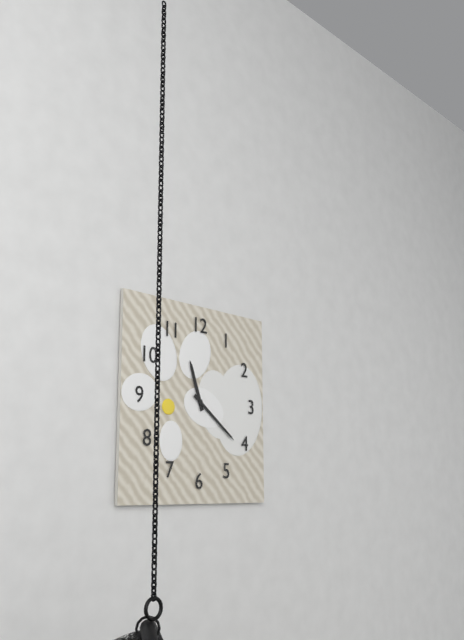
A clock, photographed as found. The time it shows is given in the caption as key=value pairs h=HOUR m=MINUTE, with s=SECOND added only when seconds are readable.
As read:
h=11 m=21
